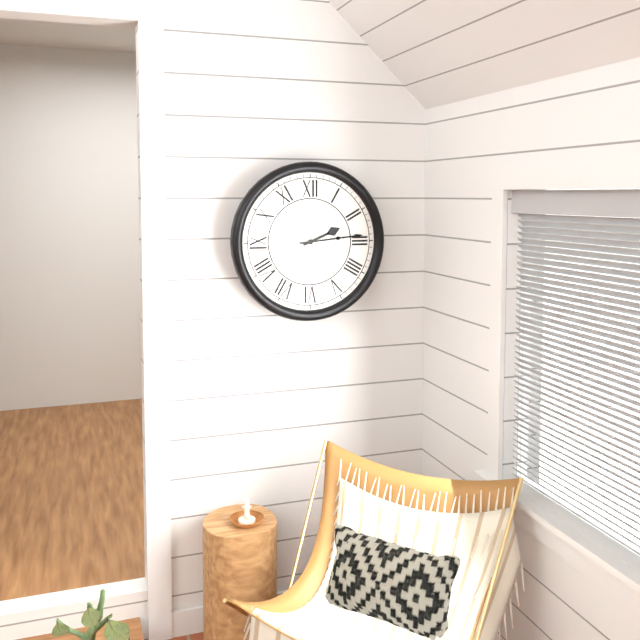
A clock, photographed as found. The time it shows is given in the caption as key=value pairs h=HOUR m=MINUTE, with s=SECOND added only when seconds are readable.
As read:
h=2 m=14
